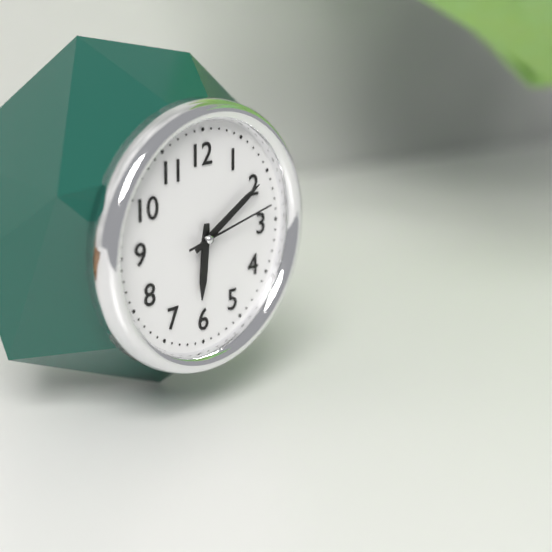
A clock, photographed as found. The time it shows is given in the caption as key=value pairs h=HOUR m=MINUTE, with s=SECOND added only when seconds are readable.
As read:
h=6 m=10 s=13
